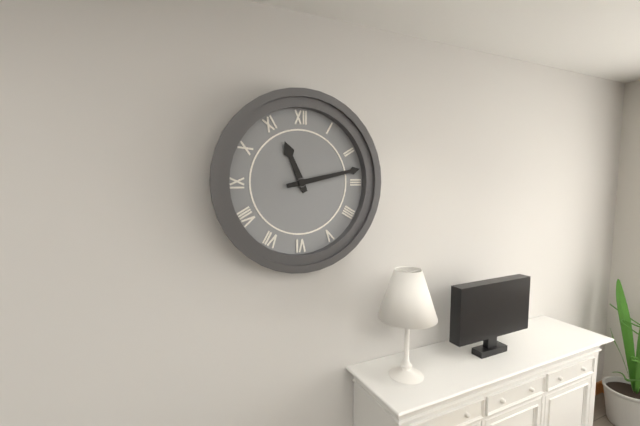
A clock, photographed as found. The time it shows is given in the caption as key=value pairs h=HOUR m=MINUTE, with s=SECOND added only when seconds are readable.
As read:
h=11 m=13
